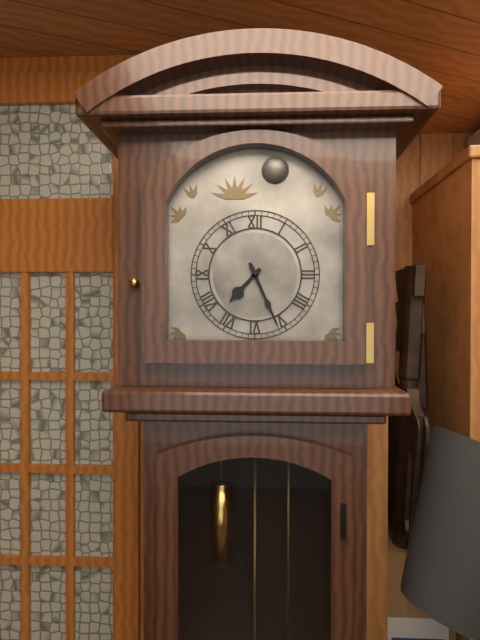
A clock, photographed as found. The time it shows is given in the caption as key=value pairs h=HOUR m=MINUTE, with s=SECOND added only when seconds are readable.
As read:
h=7 m=26
